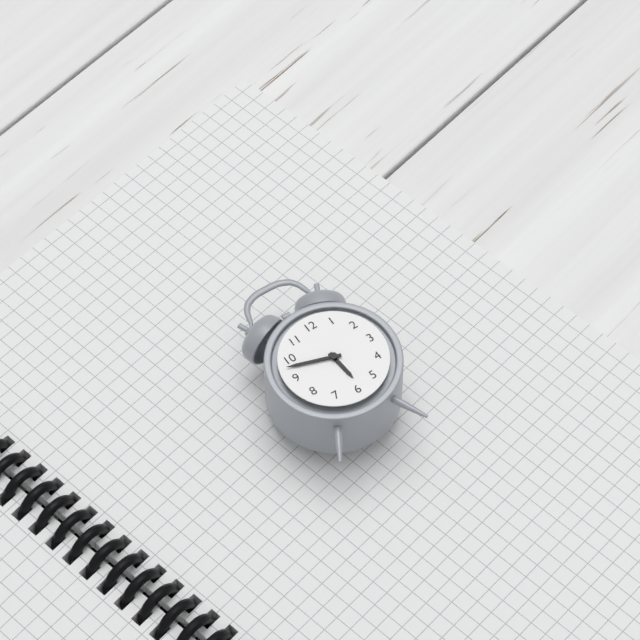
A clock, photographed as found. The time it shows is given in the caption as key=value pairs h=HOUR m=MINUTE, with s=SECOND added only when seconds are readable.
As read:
h=5 m=48
